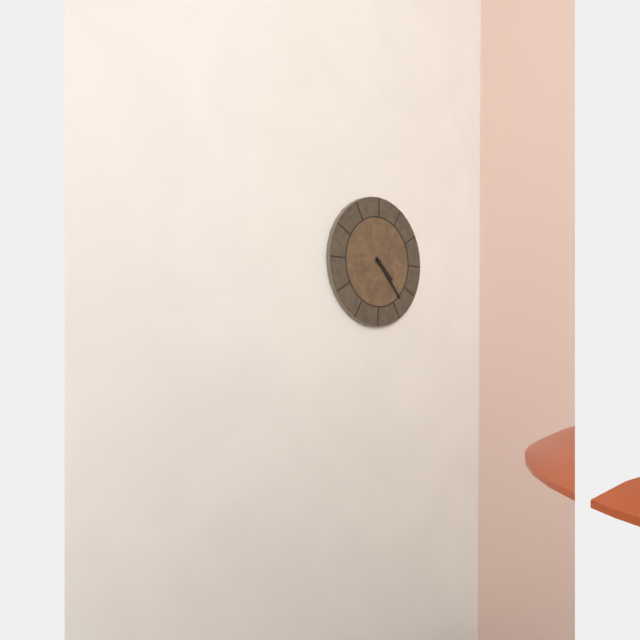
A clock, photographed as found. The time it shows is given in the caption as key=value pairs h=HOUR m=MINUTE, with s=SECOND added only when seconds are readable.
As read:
h=4 m=23
